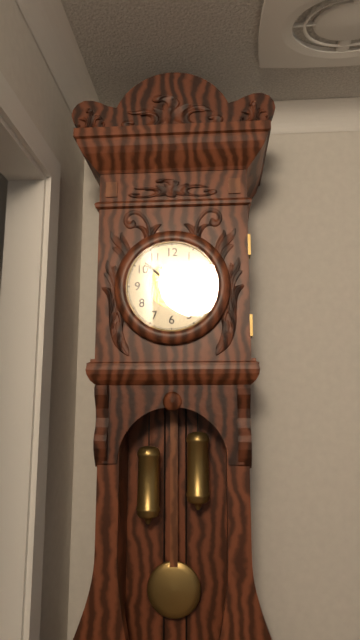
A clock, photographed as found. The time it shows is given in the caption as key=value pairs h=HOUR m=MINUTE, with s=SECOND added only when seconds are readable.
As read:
h=1 m=52
